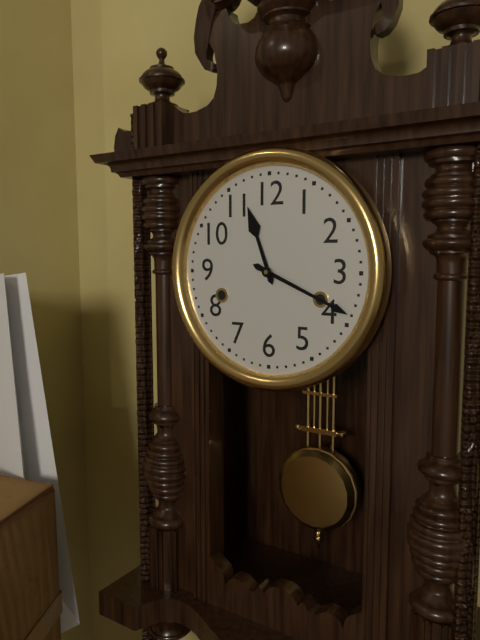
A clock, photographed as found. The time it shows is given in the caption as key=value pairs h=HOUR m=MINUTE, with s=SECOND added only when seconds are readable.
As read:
h=11 m=19
